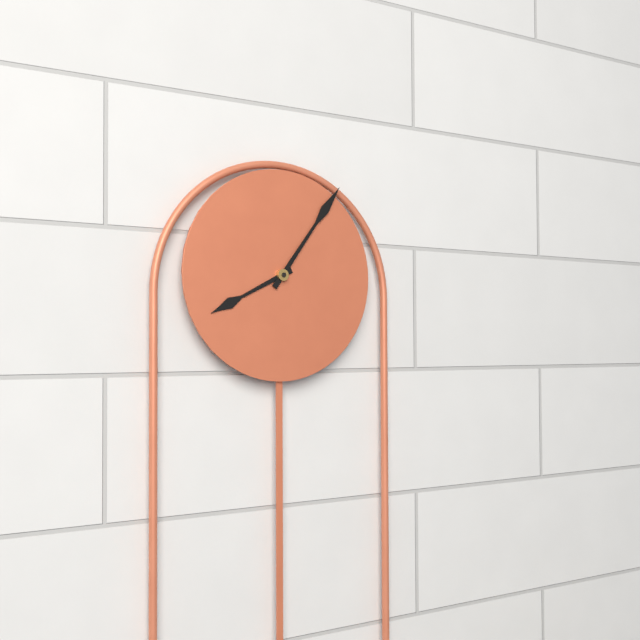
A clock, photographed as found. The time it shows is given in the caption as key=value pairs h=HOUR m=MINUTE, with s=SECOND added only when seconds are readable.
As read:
h=8 m=6
